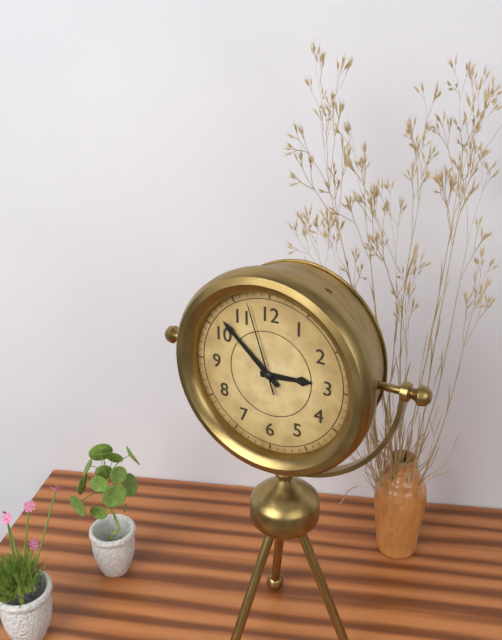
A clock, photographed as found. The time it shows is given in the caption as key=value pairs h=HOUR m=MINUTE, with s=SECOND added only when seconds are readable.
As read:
h=2 m=52 s=57
